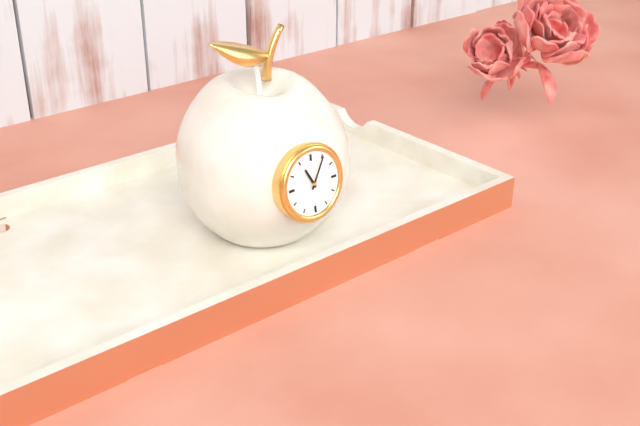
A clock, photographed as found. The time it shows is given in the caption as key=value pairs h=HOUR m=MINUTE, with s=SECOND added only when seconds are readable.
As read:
h=11 m=5
